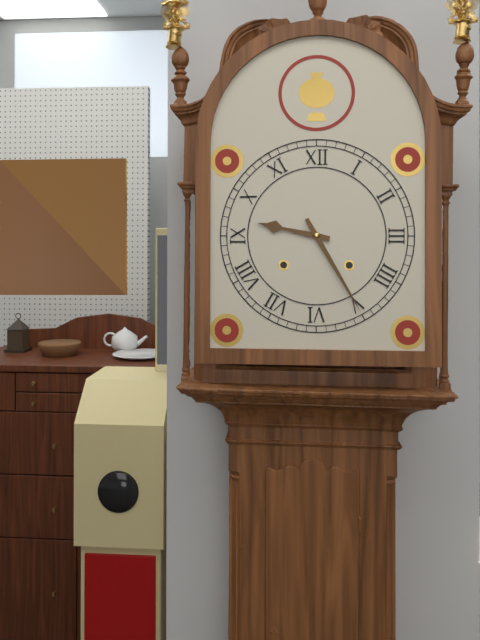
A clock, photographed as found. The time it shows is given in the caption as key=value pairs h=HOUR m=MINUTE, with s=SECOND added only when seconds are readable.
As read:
h=9 m=25
